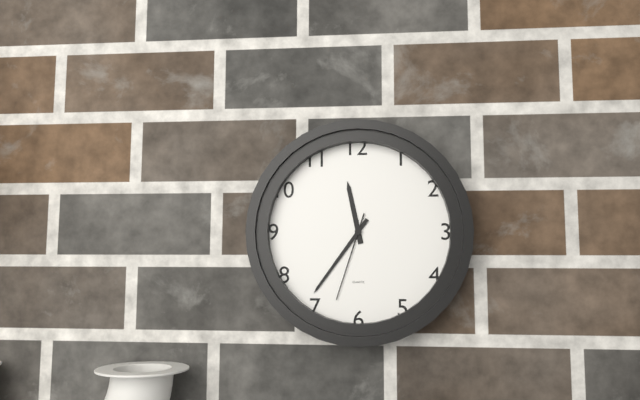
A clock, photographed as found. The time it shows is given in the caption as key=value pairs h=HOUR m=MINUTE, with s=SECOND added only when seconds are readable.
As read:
h=11 m=36 s=33
